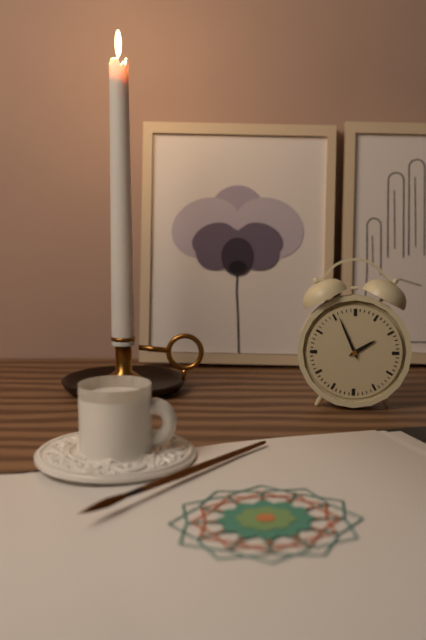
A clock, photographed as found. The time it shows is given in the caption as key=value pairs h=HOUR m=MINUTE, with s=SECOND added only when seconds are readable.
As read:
h=1 m=56
